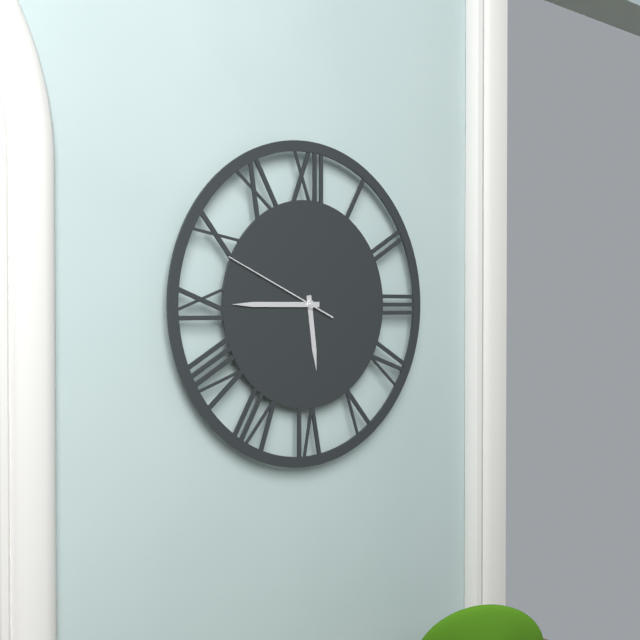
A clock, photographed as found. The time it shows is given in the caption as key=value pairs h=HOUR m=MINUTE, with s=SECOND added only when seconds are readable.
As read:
h=5 m=45 s=49
